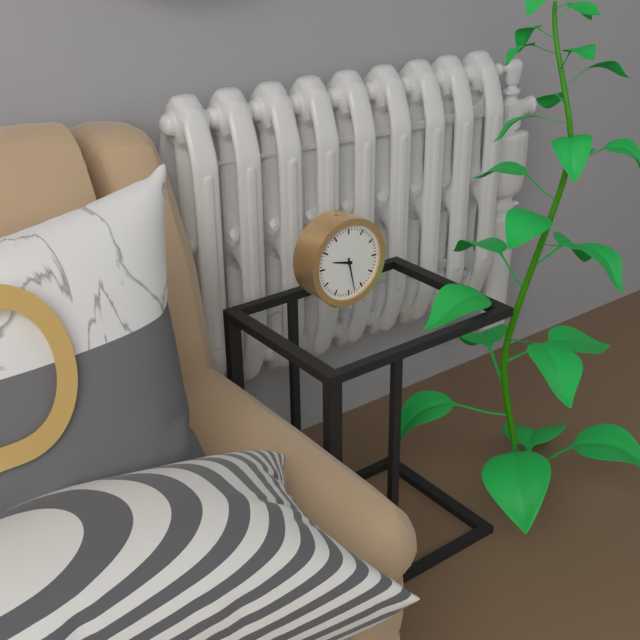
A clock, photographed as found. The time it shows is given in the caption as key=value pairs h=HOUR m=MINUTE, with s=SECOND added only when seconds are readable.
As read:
h=9 m=28
